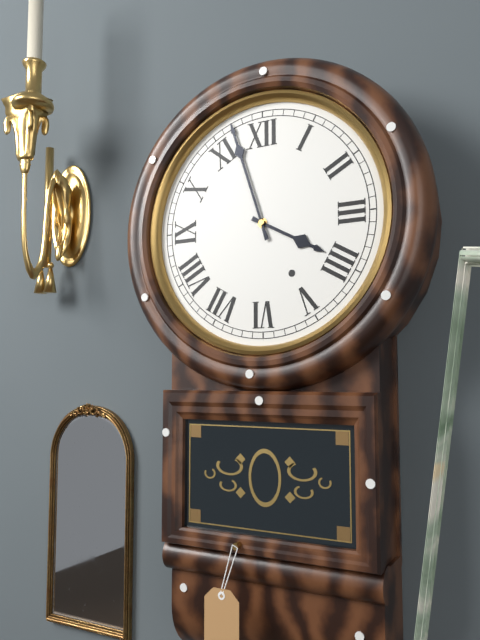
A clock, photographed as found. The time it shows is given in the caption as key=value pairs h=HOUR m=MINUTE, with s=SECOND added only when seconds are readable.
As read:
h=3 m=57
